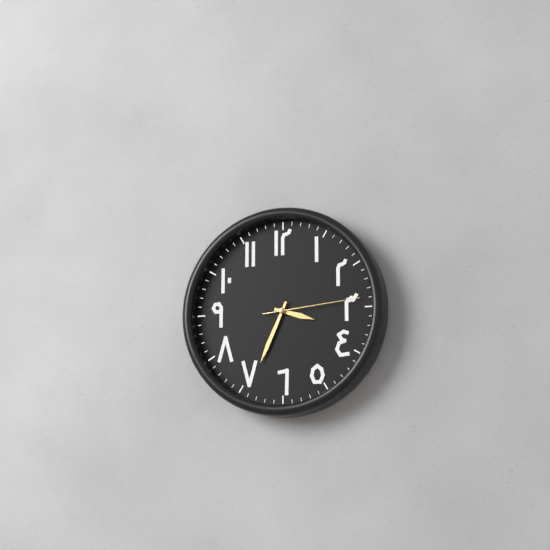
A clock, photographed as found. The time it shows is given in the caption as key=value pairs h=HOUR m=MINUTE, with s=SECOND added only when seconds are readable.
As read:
h=3 m=34 s=14
